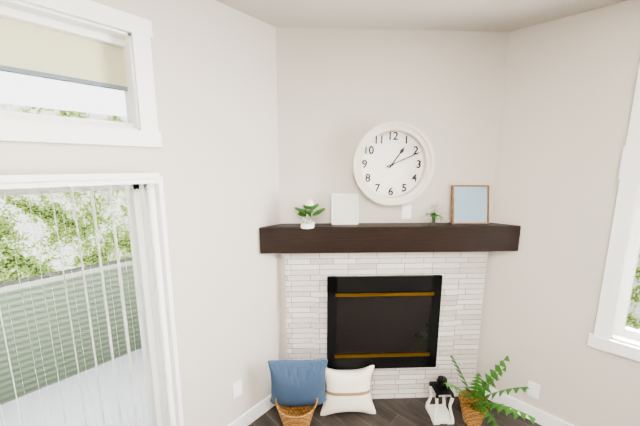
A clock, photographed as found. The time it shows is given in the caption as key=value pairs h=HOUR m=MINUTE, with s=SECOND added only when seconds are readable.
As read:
h=1 m=11
